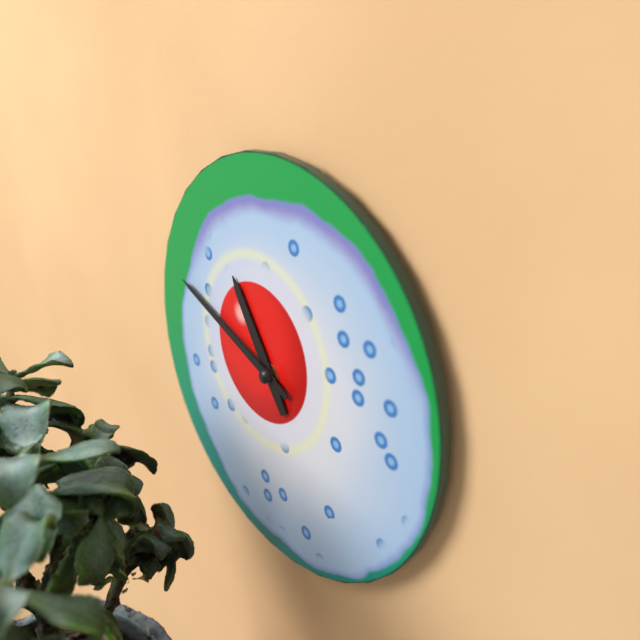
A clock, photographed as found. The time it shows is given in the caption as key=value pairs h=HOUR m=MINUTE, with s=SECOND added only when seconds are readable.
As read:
h=10 m=48
